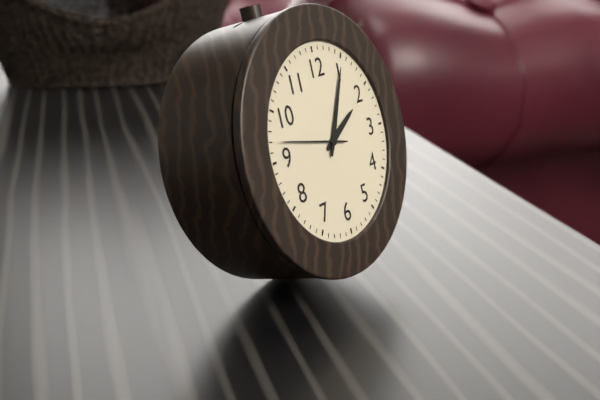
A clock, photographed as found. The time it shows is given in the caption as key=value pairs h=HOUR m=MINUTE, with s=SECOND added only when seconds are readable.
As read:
h=2 m=5 s=47
